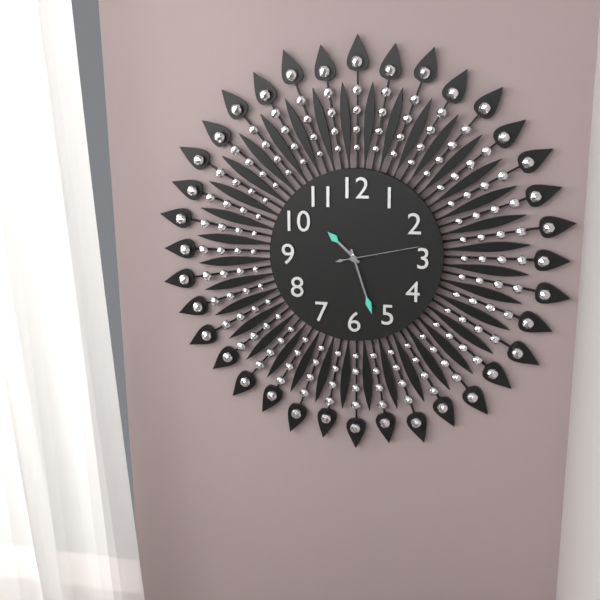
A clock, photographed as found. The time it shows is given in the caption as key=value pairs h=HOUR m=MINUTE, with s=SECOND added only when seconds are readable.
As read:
h=10 m=27 s=13
